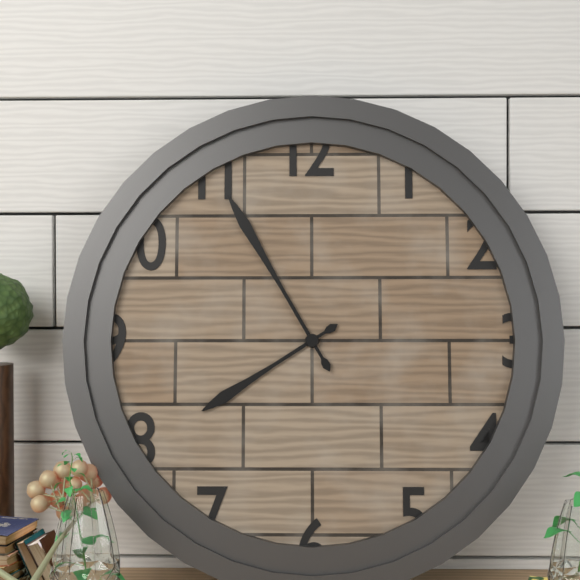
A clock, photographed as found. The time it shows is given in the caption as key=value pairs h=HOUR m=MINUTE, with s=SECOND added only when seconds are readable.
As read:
h=7 m=55
